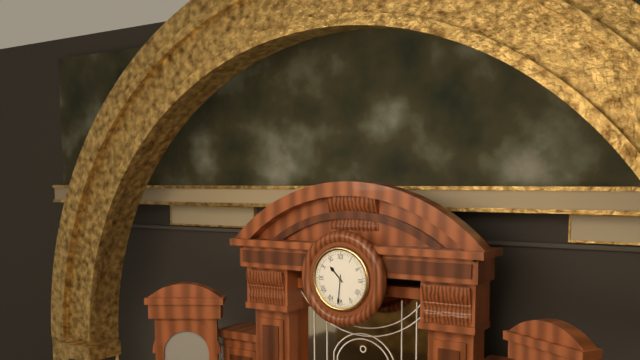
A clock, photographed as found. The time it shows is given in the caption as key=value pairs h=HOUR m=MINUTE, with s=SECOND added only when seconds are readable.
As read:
h=10 m=31
